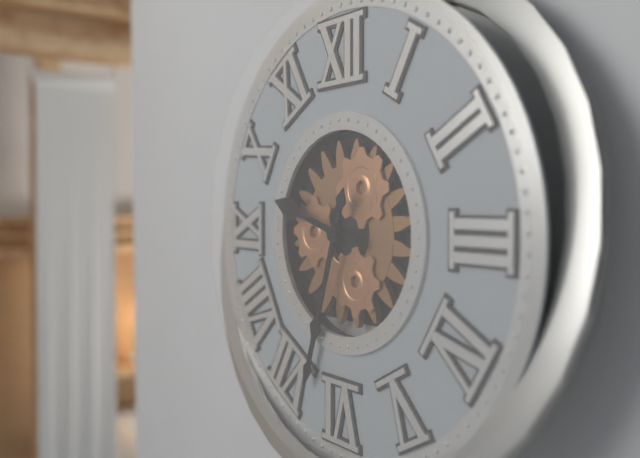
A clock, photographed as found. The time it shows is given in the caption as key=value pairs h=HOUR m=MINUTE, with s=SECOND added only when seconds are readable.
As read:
h=9 m=33
